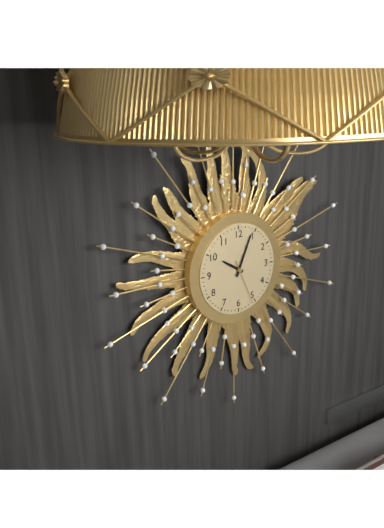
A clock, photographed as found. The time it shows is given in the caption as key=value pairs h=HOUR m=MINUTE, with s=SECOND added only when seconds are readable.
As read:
h=10 m=4
